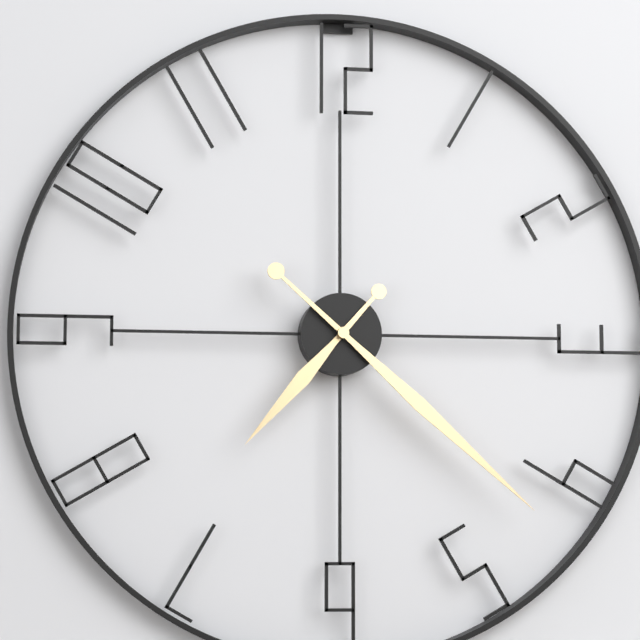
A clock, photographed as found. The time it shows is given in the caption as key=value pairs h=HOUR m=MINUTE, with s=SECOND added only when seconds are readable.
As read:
h=7 m=22
